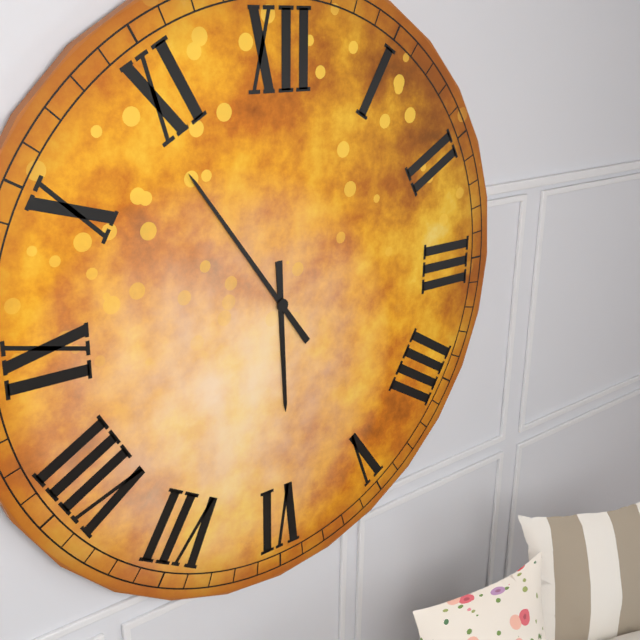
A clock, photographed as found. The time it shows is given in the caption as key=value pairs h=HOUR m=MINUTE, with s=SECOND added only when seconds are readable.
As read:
h=5 m=54
